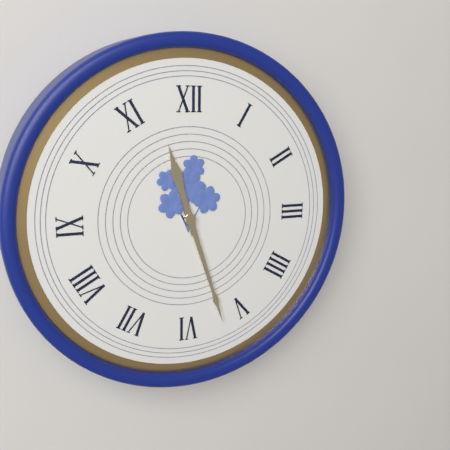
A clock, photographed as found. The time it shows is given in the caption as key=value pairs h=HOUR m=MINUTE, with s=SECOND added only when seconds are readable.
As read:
h=11 m=27
